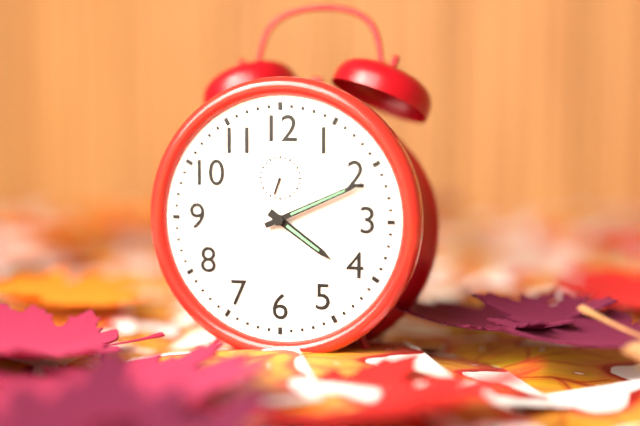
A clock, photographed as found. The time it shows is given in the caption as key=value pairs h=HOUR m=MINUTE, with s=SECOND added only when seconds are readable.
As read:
h=4 m=11
